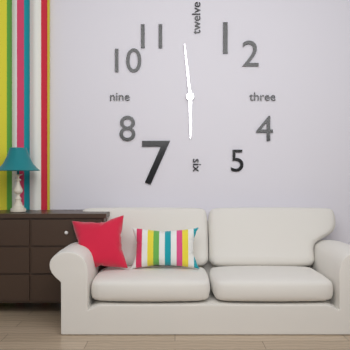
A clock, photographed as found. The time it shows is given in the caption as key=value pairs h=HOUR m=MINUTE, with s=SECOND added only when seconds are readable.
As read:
h=5 m=59
